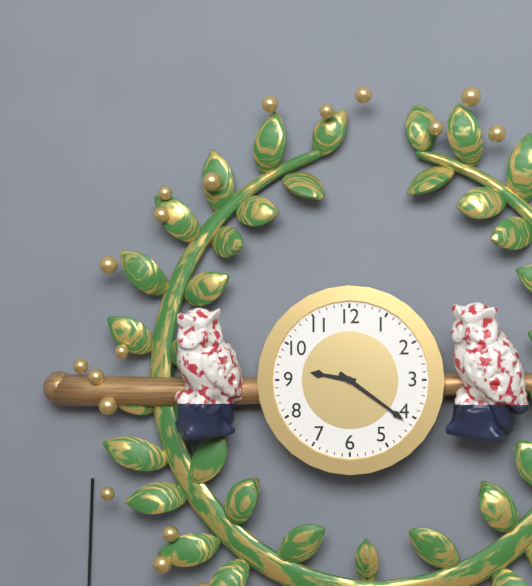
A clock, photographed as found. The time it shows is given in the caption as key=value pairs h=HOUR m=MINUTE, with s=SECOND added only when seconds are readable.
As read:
h=9 m=21
